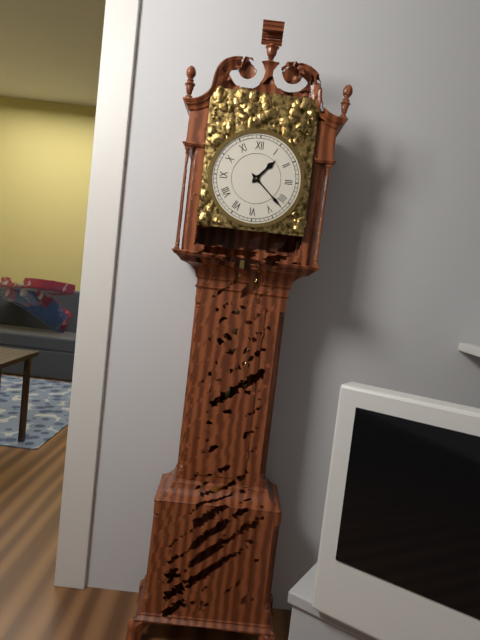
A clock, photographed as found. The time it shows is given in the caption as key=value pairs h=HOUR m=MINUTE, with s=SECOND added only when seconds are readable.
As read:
h=1 m=22
